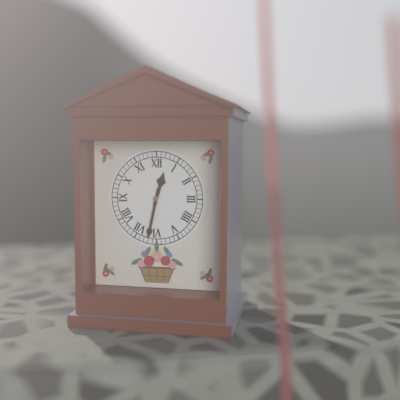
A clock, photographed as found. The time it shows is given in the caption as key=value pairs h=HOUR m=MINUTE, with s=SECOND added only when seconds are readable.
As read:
h=12 m=32
